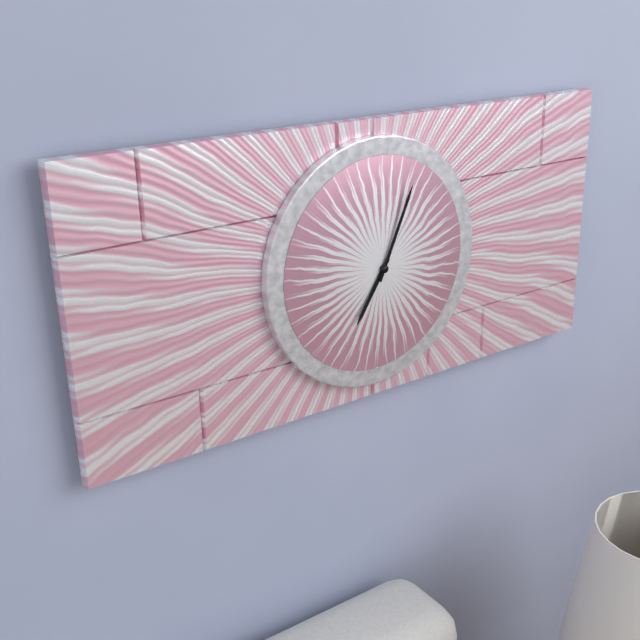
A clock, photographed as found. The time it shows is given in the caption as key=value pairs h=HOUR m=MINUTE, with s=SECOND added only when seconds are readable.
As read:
h=7 m=4
